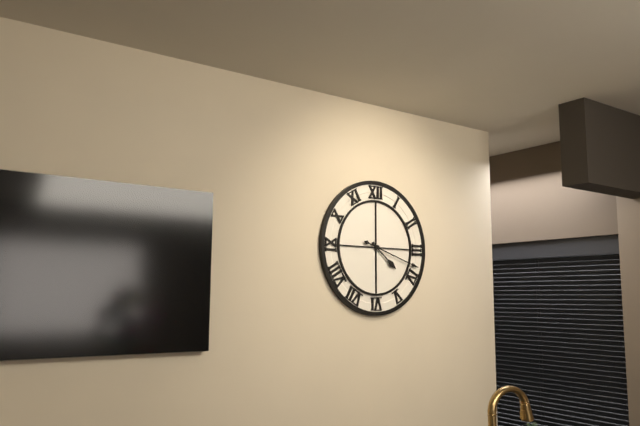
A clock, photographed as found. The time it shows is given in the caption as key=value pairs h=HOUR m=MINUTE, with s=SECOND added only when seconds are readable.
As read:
h=4 m=18
